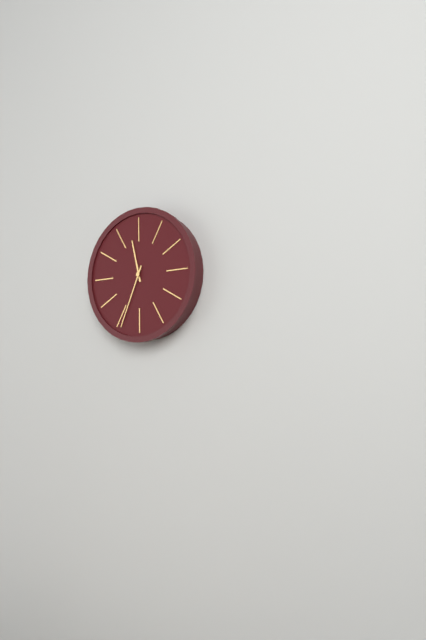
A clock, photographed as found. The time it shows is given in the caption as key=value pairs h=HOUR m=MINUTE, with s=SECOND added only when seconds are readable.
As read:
h=11 m=34
